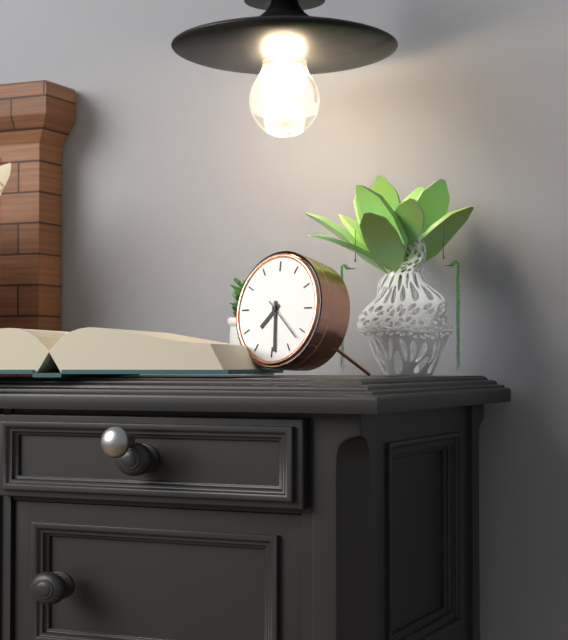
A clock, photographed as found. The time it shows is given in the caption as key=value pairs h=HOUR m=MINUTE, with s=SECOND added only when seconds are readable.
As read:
h=7 m=29
